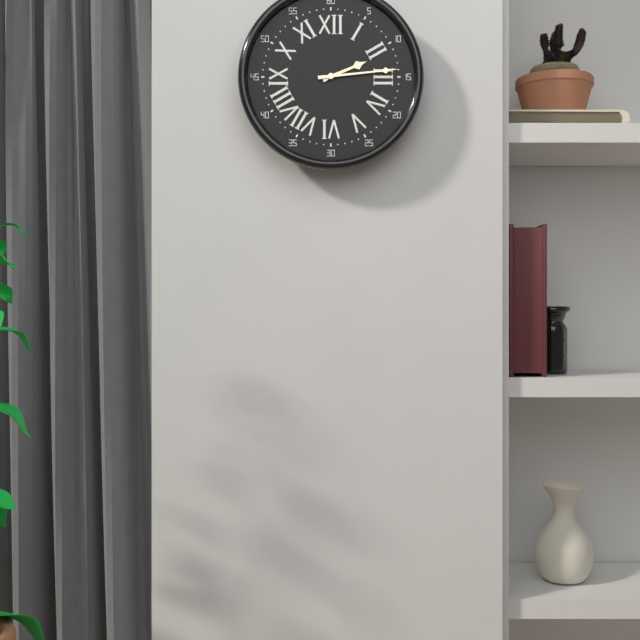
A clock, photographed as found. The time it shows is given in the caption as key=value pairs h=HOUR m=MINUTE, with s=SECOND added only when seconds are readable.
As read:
h=2 m=14
